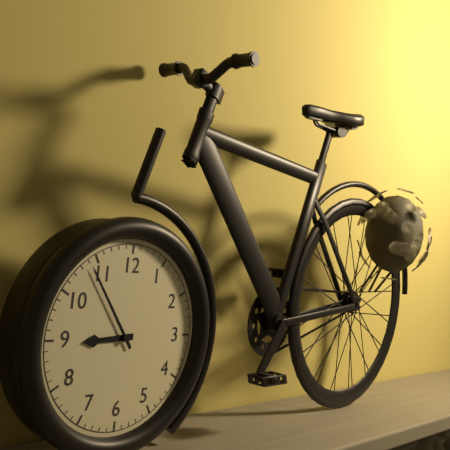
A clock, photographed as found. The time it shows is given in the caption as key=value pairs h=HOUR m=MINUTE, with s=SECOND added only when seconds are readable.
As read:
h=8 m=54
